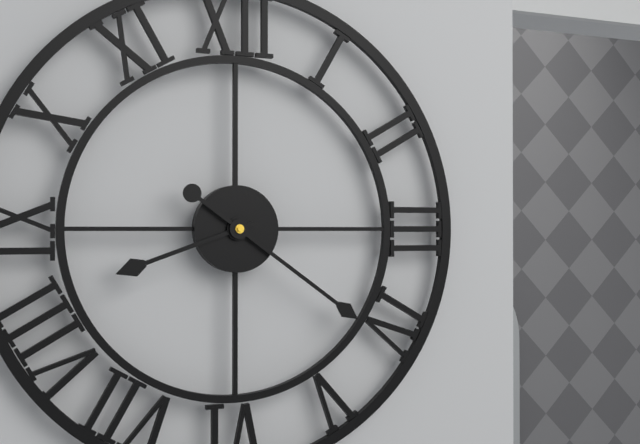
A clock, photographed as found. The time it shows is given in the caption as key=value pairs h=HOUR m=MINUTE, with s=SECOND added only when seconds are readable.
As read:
h=8 m=21
